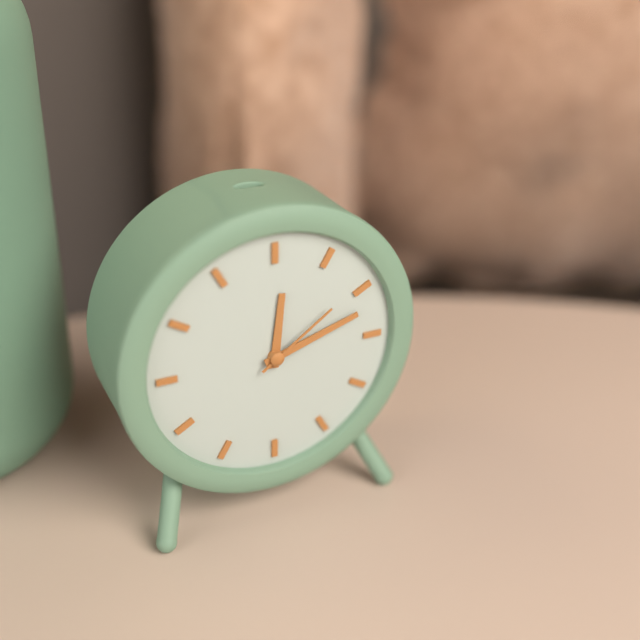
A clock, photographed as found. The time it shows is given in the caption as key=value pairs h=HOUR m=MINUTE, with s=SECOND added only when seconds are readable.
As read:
h=12 m=12 s=9
